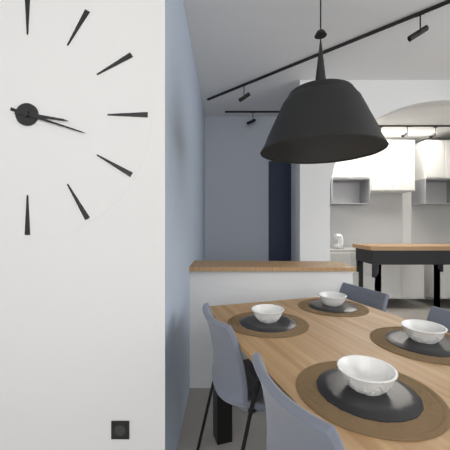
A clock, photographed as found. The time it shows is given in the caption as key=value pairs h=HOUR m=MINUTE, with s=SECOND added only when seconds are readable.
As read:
h=3 m=18
